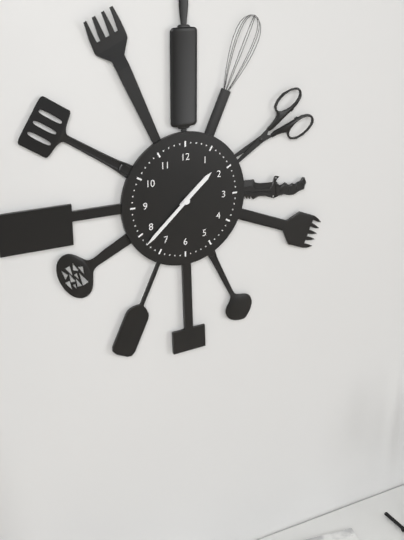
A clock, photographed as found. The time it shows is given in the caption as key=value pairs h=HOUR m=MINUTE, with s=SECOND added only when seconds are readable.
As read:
h=1 m=38
